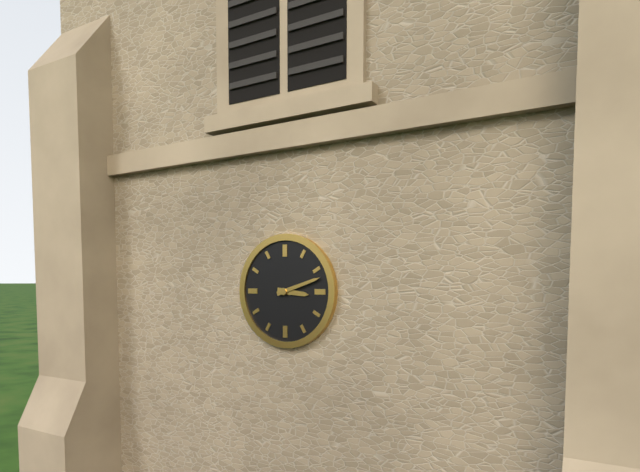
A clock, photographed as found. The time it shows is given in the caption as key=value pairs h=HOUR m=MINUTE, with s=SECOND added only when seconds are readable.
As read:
h=3 m=12
